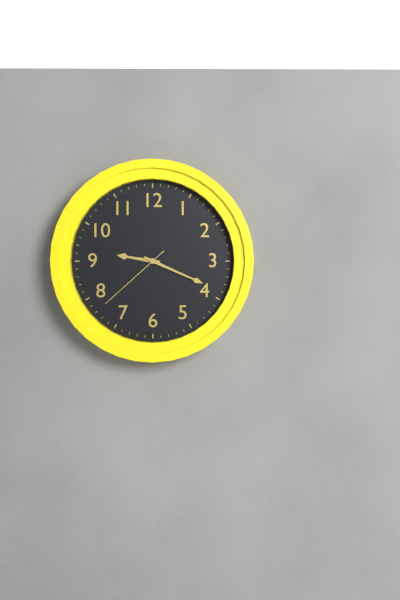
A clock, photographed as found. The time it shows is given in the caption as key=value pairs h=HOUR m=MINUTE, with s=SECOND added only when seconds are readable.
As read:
h=9 m=19 s=38
